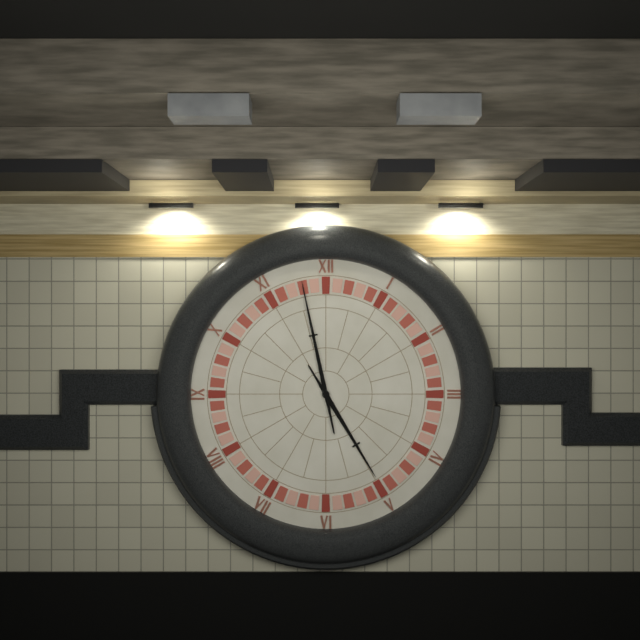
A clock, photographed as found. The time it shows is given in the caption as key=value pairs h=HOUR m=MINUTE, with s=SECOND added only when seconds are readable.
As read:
h=4 m=58
